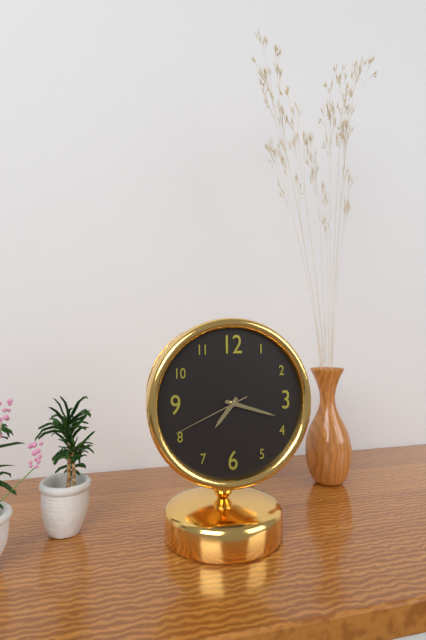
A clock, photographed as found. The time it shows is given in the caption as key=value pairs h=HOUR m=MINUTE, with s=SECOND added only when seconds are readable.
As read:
h=7 m=18 s=41
